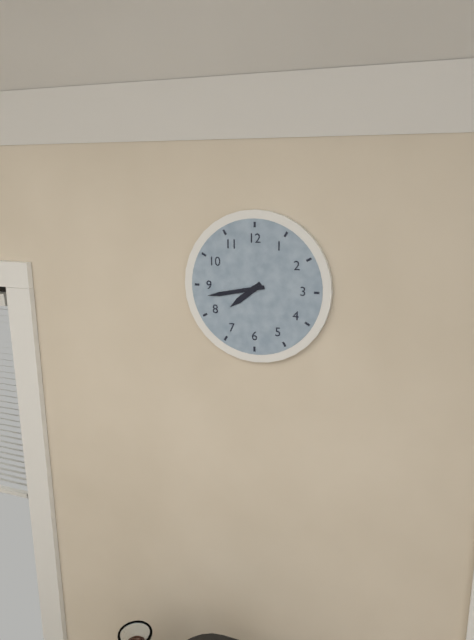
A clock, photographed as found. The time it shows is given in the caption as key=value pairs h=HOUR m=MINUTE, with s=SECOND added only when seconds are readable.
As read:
h=7 m=43
